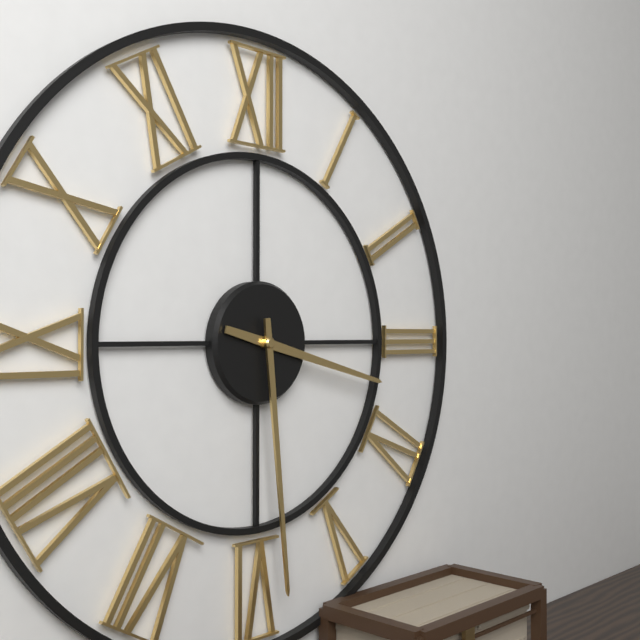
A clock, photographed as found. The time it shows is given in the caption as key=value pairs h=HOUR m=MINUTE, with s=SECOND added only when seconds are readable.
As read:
h=3 m=29
